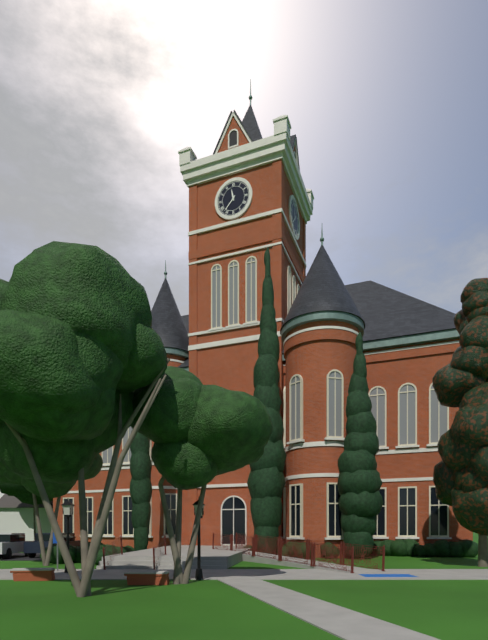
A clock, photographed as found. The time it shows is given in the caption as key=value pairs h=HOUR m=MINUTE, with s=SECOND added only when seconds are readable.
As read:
h=11 m=37
